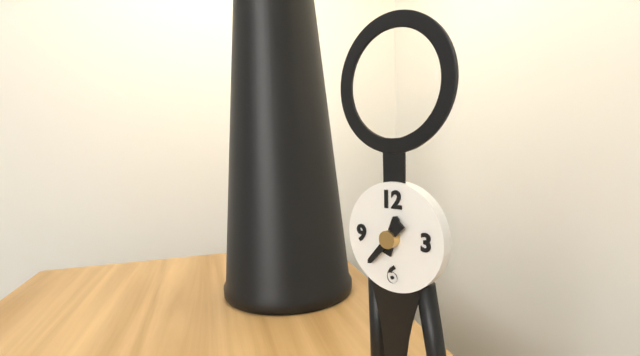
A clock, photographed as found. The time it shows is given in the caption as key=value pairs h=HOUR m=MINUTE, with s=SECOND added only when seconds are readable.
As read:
h=12 m=37
